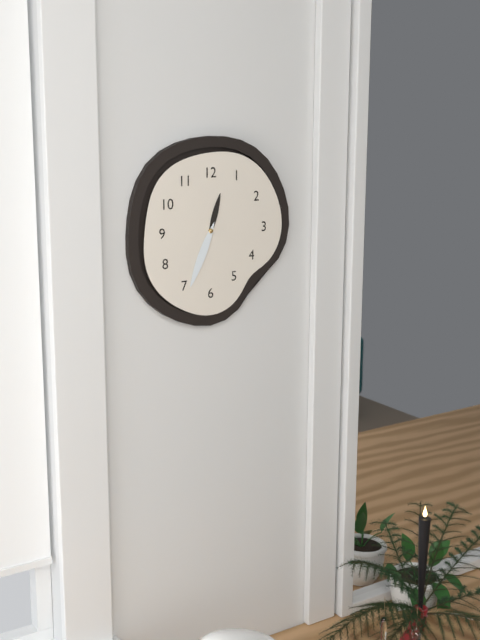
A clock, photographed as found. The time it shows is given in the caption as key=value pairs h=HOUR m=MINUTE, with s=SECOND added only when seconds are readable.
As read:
h=12 m=34
